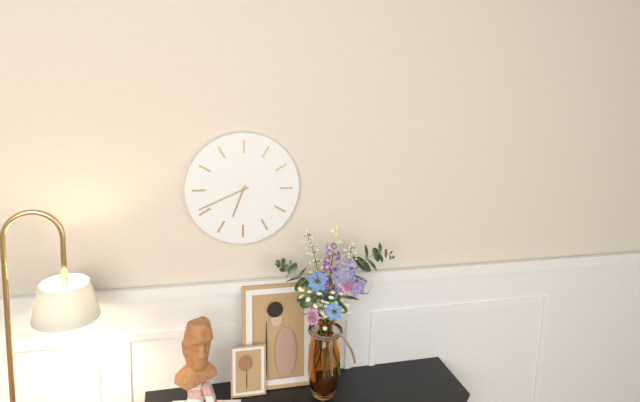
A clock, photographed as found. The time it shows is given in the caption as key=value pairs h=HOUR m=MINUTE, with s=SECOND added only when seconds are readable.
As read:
h=6 m=41
